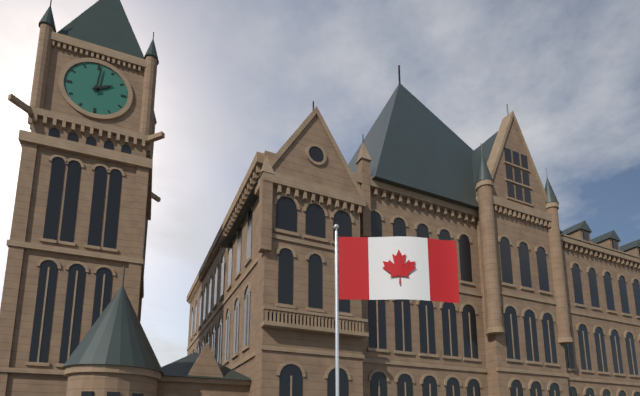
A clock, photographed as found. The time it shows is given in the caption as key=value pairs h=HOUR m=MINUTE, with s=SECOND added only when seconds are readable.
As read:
h=2 m=1
